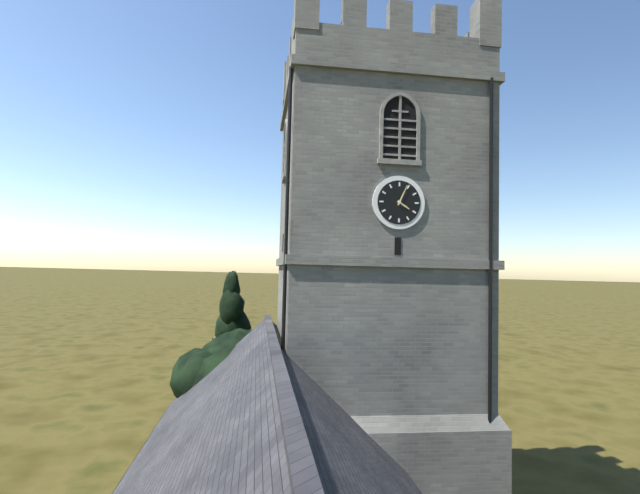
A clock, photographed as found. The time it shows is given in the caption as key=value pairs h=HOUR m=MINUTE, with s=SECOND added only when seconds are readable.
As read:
h=4 m=4
